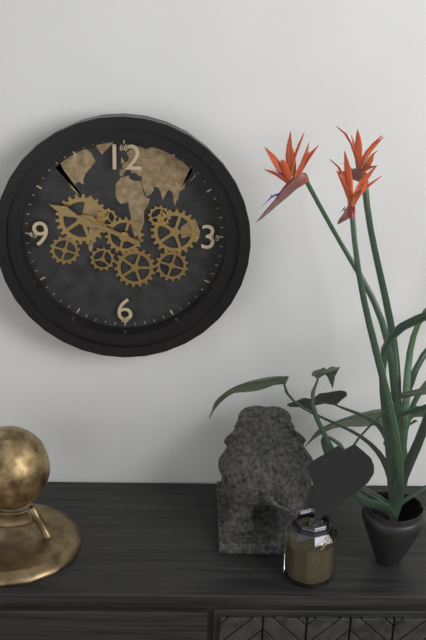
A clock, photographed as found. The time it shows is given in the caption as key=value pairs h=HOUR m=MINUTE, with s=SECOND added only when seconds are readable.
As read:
h=9 m=49
